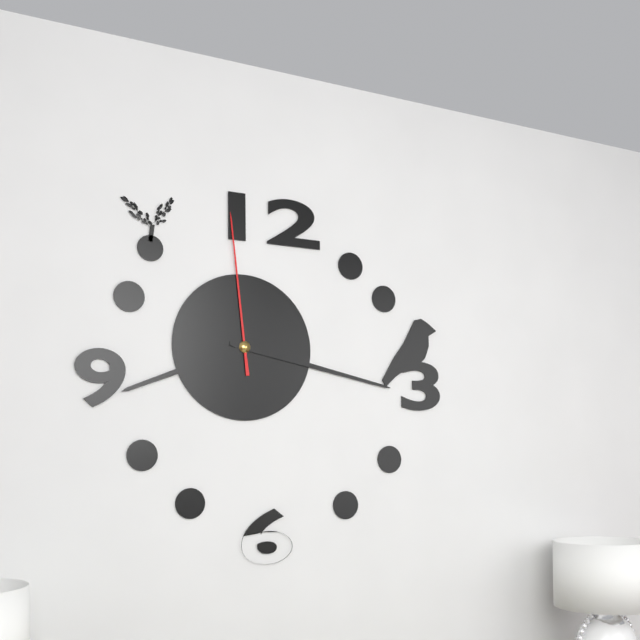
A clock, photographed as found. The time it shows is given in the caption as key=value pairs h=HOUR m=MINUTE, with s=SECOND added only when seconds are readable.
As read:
h=8 m=17 s=59
